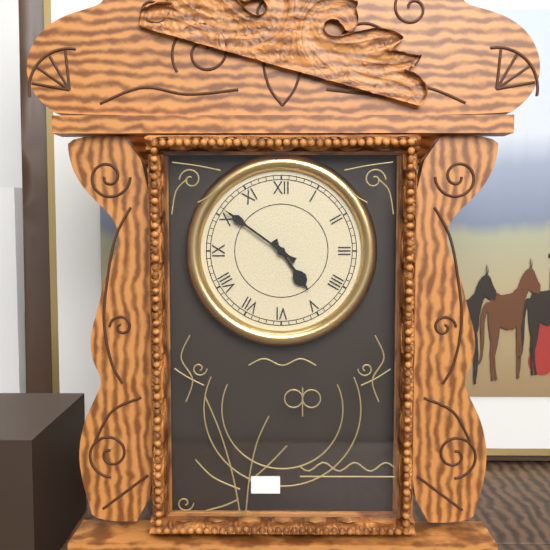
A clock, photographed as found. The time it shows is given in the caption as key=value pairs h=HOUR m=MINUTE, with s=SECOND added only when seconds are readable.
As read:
h=4 m=51
